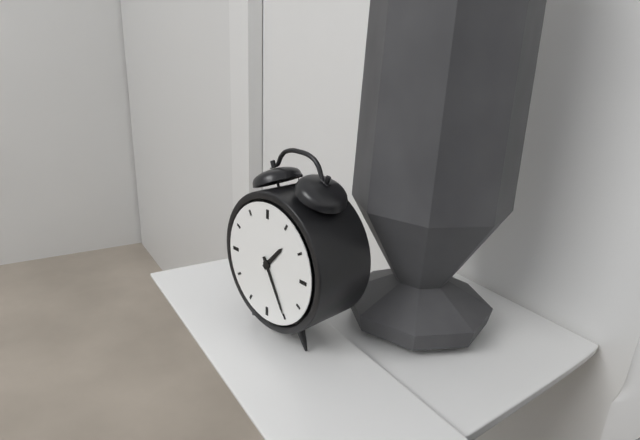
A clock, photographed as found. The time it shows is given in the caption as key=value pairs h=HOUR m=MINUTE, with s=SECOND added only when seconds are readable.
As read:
h=1 m=25
